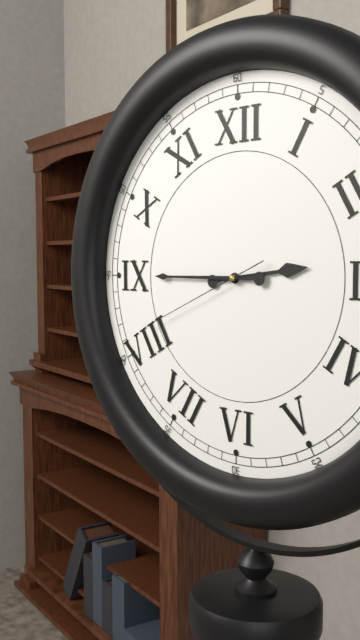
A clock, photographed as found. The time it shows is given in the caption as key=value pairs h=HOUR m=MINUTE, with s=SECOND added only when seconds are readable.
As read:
h=2 m=45 s=41
